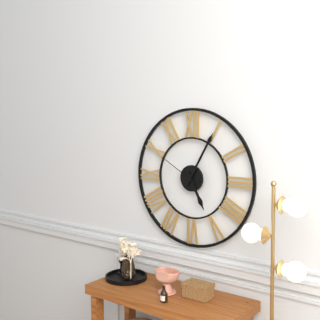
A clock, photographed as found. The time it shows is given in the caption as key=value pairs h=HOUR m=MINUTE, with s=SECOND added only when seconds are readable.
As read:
h=5 m=5
